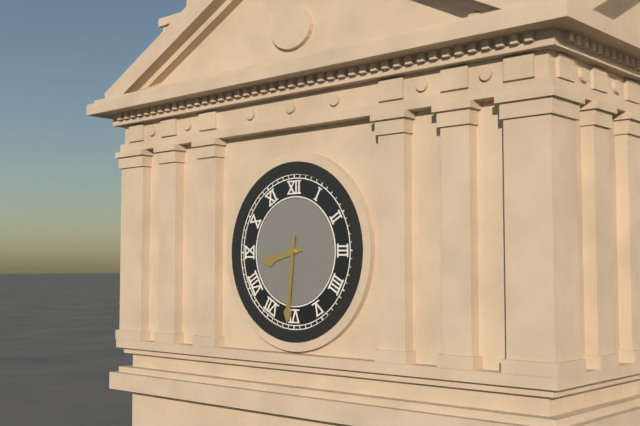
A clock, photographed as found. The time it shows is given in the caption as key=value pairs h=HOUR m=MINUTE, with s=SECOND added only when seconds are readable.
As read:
h=8 m=31
